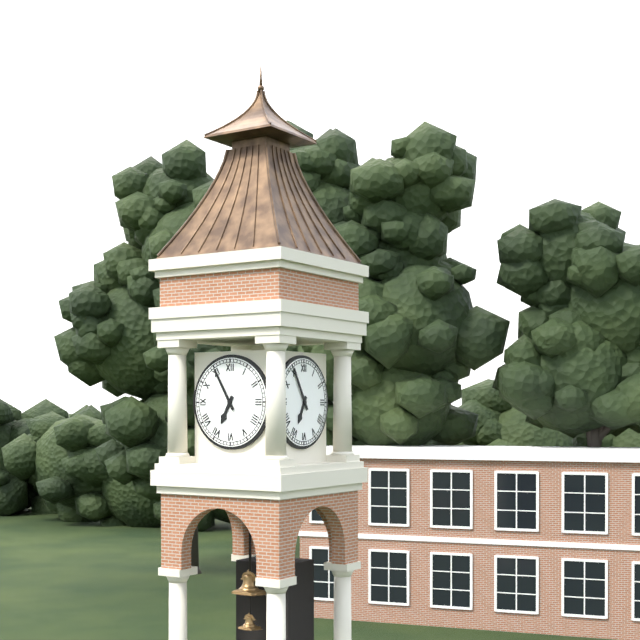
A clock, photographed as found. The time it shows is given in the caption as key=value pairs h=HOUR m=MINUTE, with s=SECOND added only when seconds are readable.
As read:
h=6 m=55
